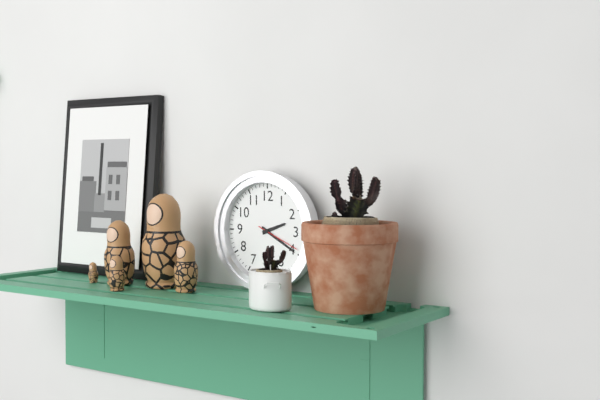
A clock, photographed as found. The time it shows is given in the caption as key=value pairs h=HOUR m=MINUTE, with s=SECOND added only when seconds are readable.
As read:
h=2 m=20
